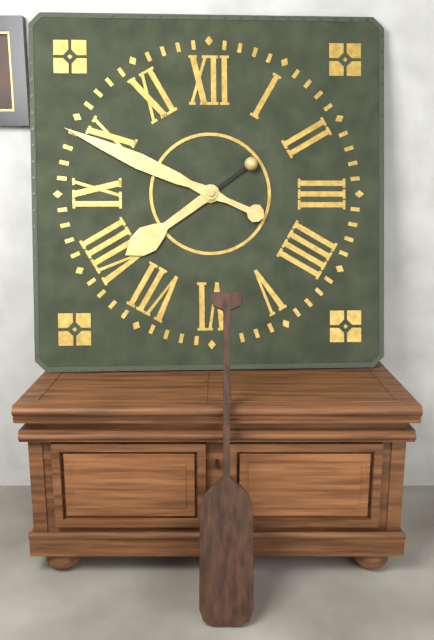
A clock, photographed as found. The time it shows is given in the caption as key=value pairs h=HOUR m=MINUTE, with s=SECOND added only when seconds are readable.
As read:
h=7 m=49
